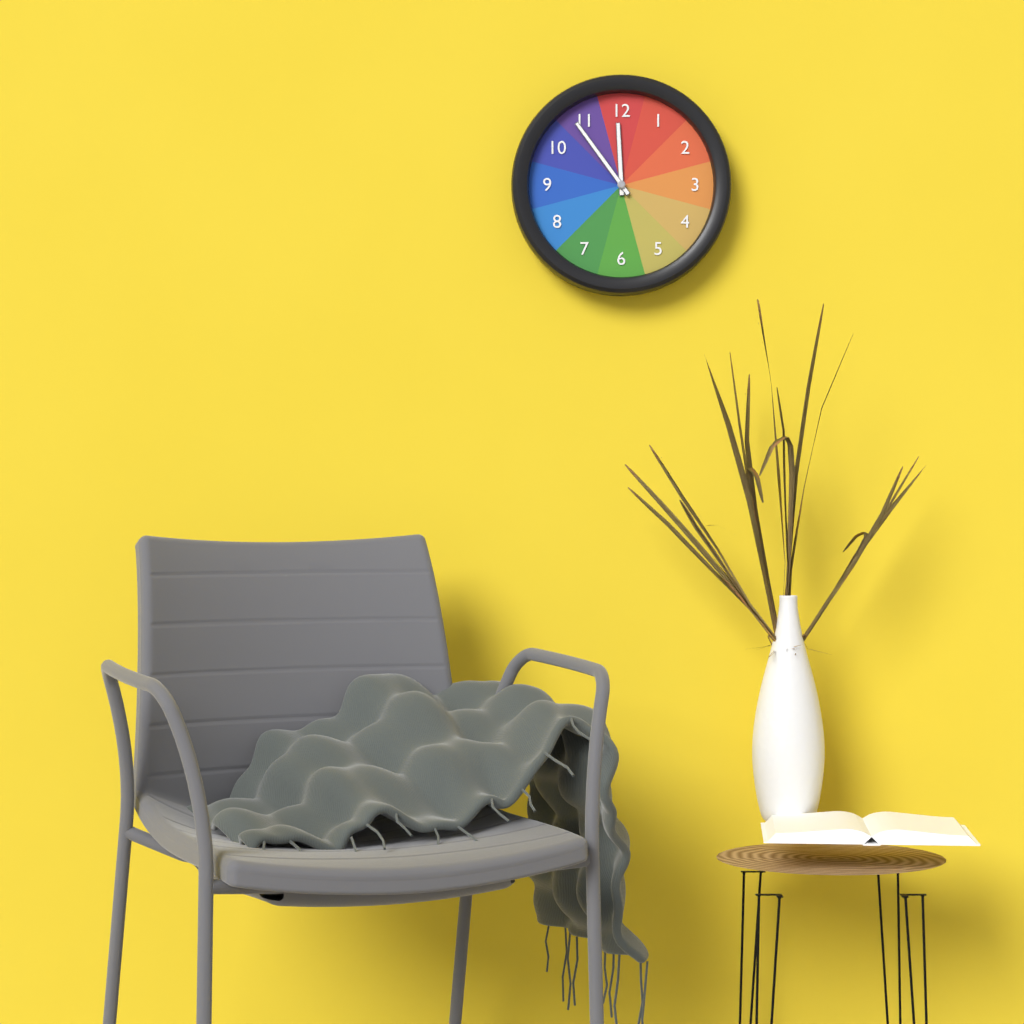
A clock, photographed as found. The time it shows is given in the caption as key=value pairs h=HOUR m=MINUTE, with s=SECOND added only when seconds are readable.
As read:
h=11 m=54
